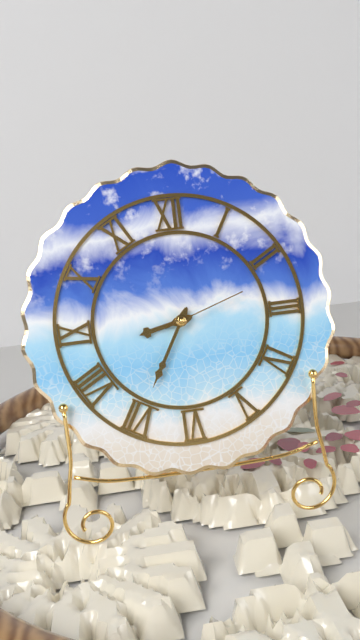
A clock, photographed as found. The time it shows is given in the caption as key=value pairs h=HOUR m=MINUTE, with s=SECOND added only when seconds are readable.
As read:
h=8 m=35 s=12
